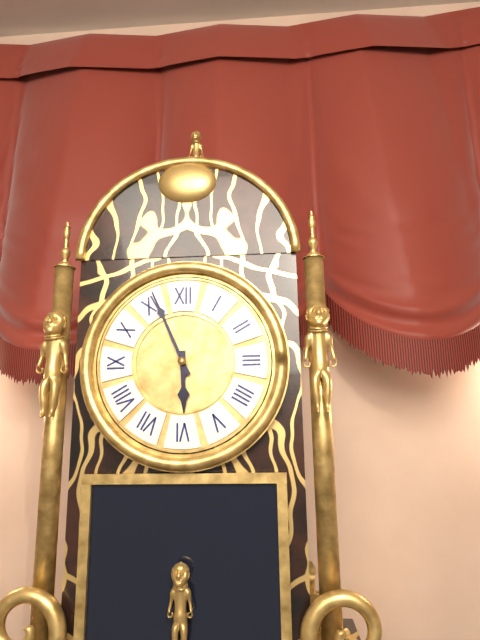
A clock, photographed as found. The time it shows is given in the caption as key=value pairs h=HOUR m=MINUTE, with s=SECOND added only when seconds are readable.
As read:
h=5 m=56
